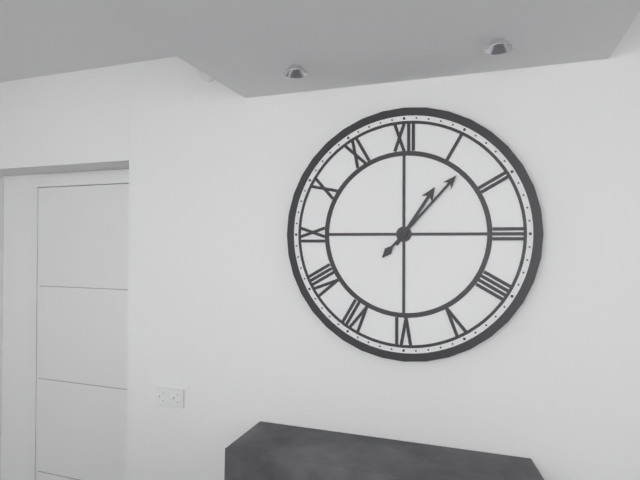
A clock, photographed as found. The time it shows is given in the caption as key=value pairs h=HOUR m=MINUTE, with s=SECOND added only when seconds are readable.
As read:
h=1 m=7
